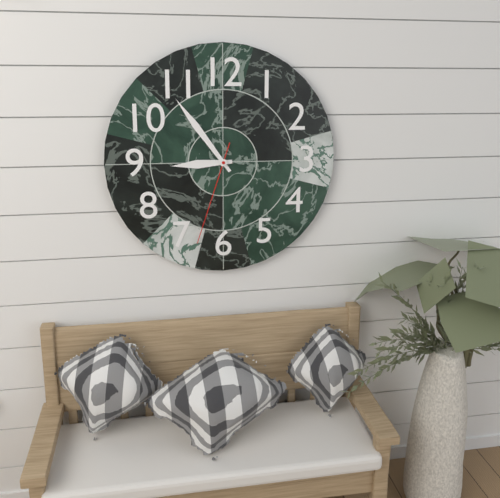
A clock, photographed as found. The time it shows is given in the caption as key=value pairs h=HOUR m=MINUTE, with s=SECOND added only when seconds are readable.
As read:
h=8 m=54 s=33
